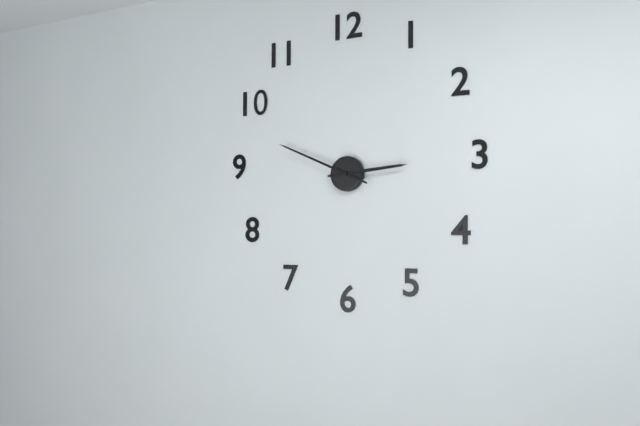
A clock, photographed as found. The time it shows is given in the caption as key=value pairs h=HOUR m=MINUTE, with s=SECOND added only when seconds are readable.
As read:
h=2 m=49
